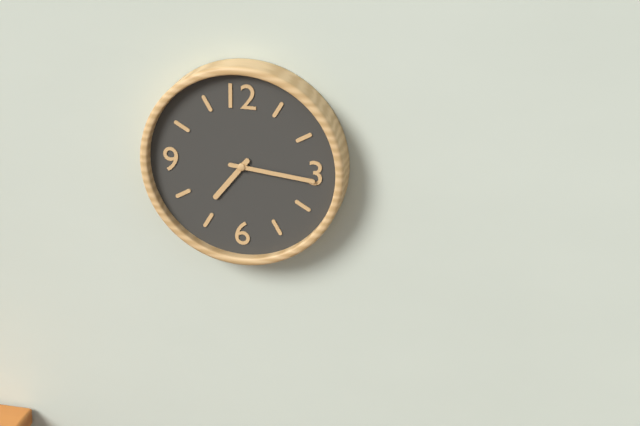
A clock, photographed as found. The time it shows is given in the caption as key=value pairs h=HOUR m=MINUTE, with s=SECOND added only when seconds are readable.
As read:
h=7 m=16
